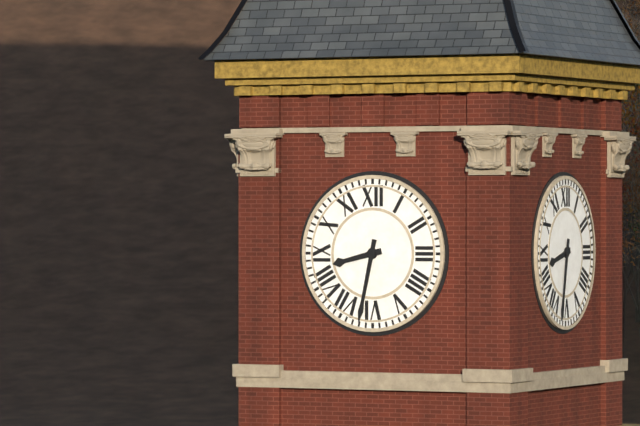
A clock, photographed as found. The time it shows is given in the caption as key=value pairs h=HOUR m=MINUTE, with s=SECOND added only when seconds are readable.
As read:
h=8 m=32
